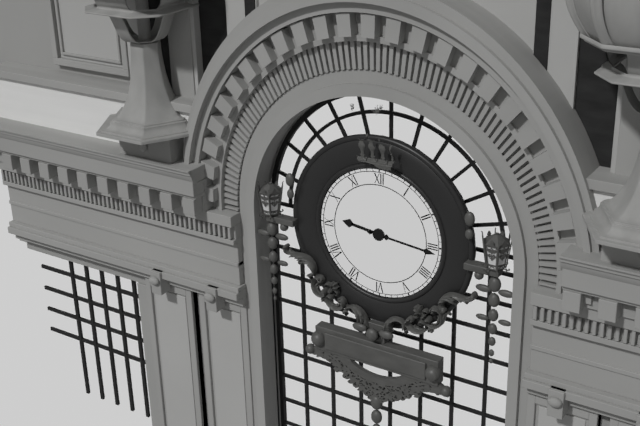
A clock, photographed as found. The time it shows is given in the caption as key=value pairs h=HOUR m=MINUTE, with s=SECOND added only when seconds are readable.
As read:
h=9 m=16
